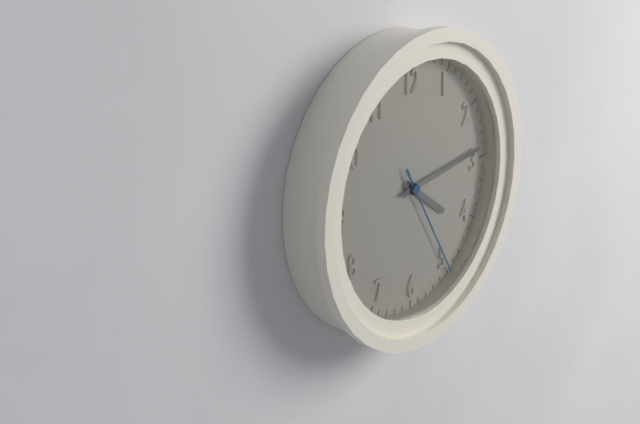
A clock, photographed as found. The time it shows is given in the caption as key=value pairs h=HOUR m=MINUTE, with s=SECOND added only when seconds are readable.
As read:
h=4 m=14 s=25
